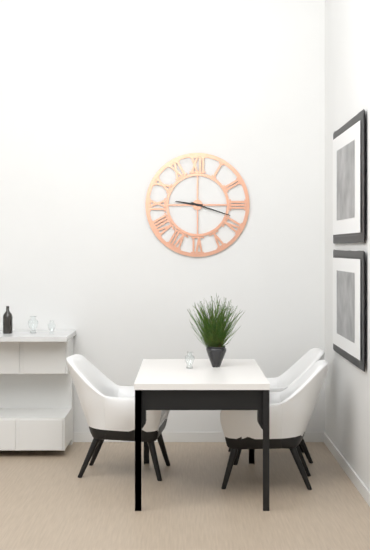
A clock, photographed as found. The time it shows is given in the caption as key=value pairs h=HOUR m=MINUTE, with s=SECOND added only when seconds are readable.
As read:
h=9 m=18
